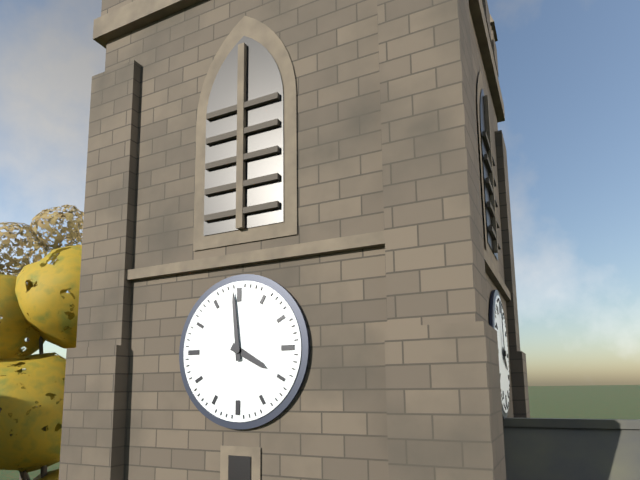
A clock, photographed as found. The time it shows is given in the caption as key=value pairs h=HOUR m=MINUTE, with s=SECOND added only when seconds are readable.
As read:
h=3 m=59
